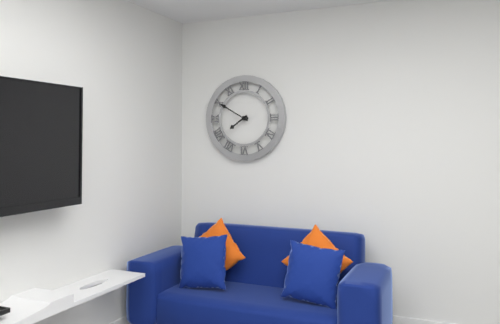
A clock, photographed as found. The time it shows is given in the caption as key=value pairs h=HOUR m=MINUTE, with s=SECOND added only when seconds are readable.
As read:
h=7 m=50
